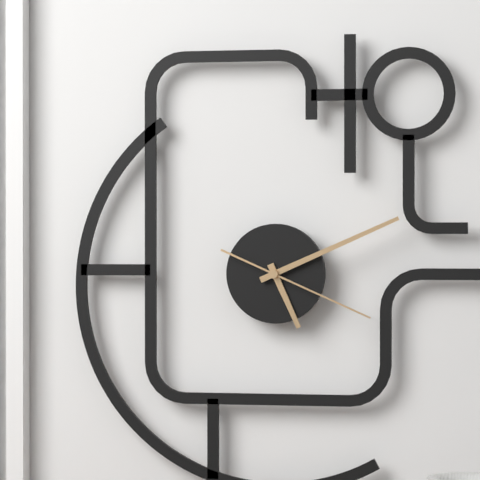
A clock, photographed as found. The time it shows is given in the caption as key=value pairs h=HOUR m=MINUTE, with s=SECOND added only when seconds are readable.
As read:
h=5 m=11 s=19
